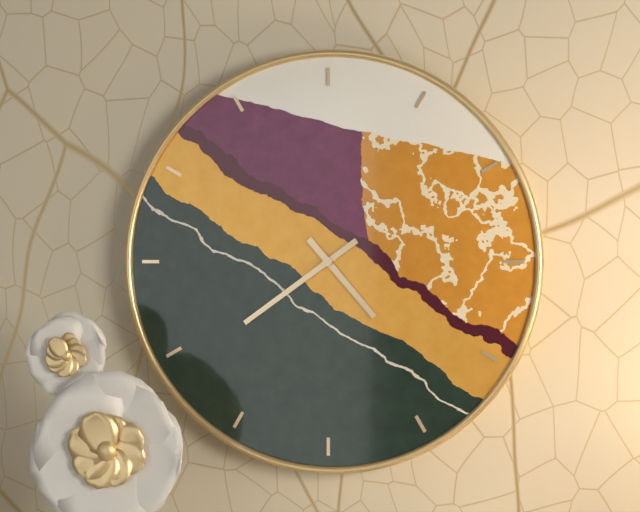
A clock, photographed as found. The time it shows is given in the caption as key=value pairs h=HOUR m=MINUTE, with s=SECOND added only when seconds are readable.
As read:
h=4 m=39
